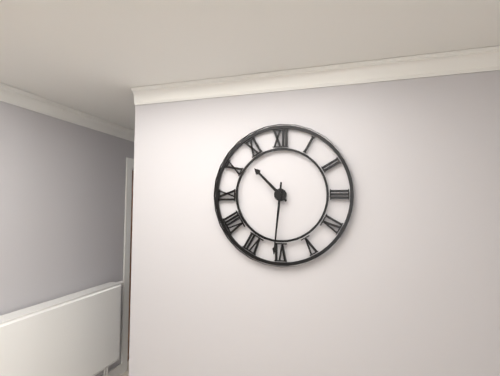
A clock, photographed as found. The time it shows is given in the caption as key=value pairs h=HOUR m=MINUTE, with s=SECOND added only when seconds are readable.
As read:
h=10 m=31
